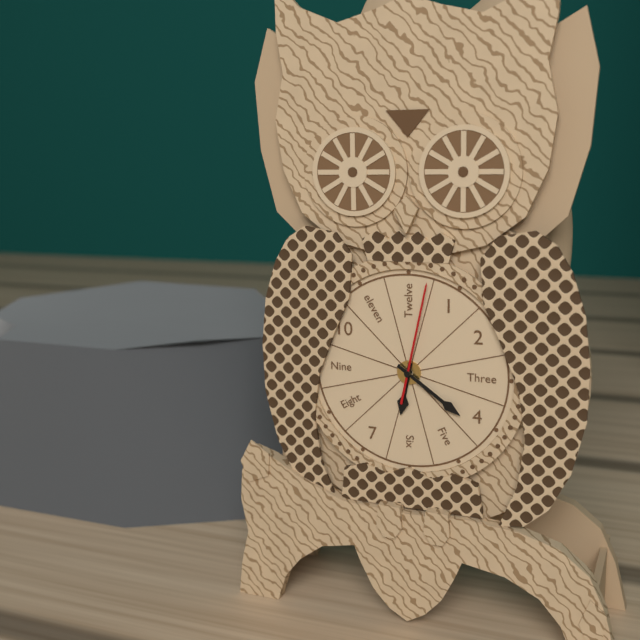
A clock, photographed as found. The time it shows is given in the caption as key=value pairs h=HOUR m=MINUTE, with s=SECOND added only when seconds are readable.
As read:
h=6 m=21 s=2
